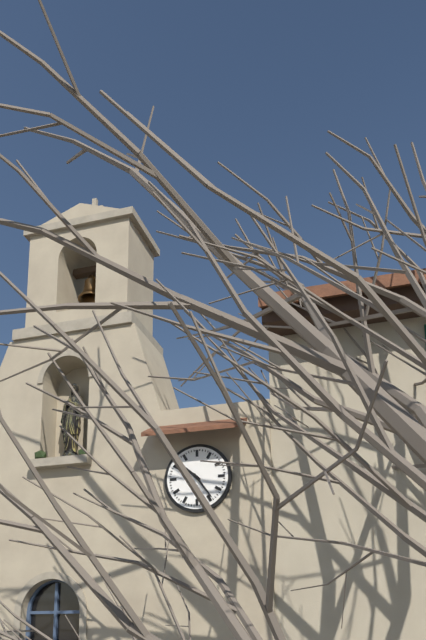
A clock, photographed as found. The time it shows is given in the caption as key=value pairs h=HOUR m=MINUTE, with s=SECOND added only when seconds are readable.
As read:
h=10 m=24
